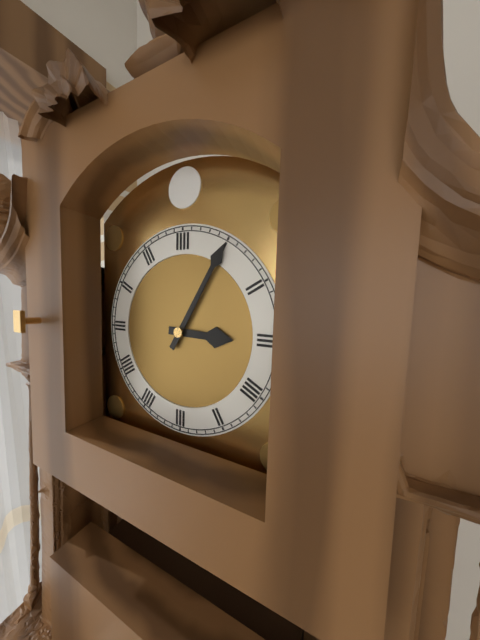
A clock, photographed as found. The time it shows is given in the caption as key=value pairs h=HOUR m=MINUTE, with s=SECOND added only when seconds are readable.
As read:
h=3 m=5
